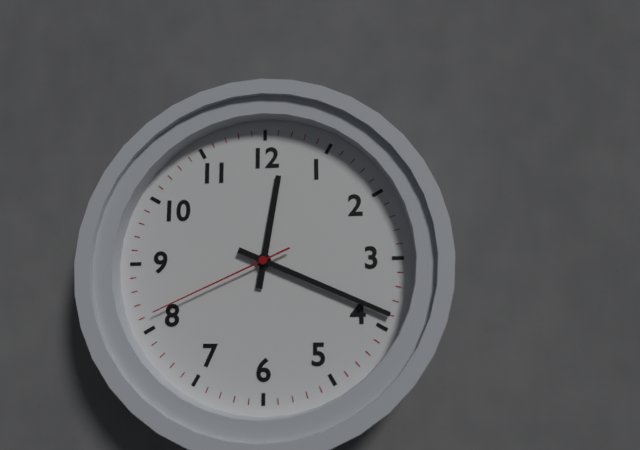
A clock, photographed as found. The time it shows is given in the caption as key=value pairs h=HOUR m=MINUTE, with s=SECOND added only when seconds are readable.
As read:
h=12 m=19 s=41
